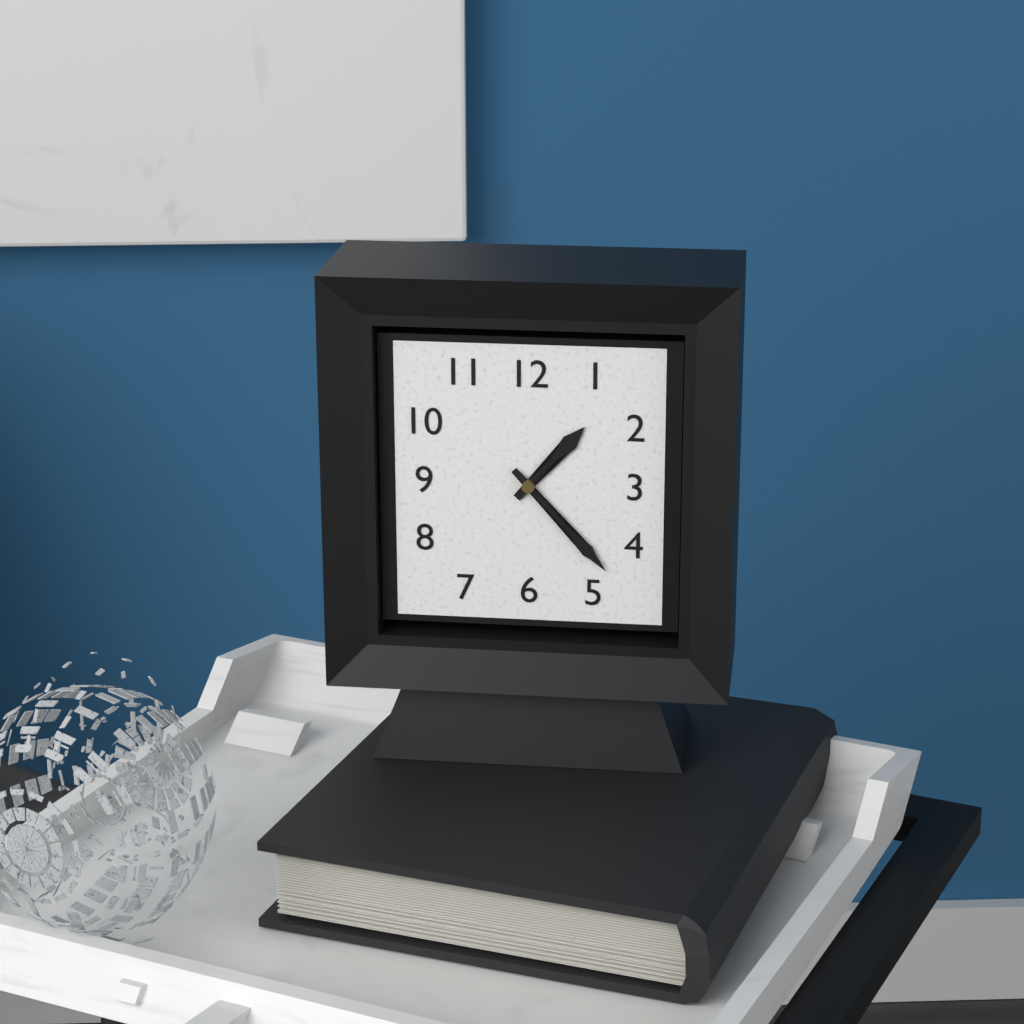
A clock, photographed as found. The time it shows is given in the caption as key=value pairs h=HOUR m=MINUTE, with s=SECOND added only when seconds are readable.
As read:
h=1 m=23
